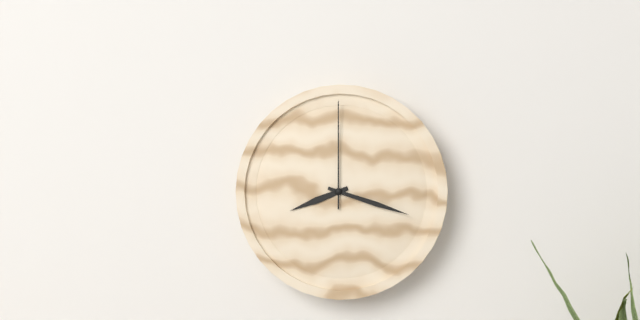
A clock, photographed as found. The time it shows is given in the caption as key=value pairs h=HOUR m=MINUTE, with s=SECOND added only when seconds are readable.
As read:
h=8 m=18 s=0
